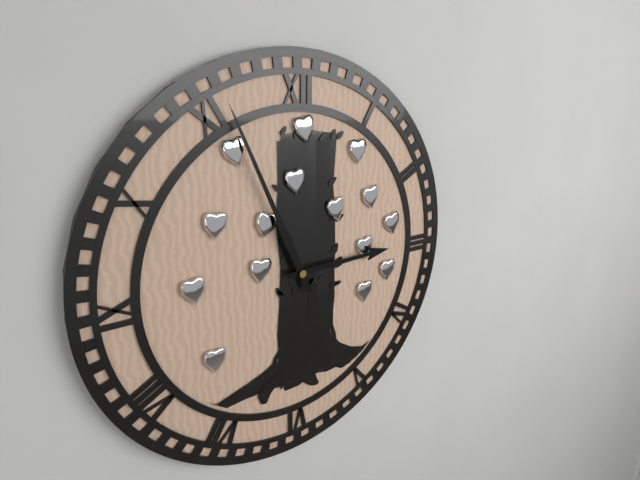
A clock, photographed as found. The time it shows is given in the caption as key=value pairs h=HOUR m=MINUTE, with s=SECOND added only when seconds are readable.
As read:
h=2 m=56
